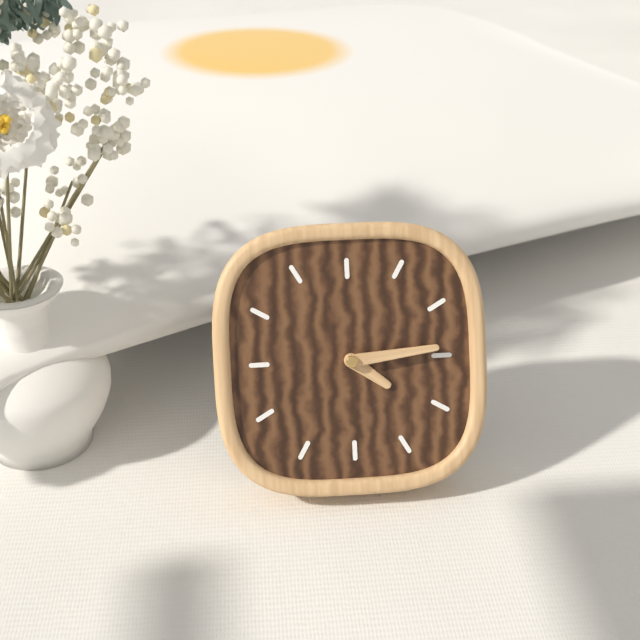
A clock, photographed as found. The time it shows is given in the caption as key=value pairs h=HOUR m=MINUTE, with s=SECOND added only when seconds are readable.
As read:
h=4 m=14
